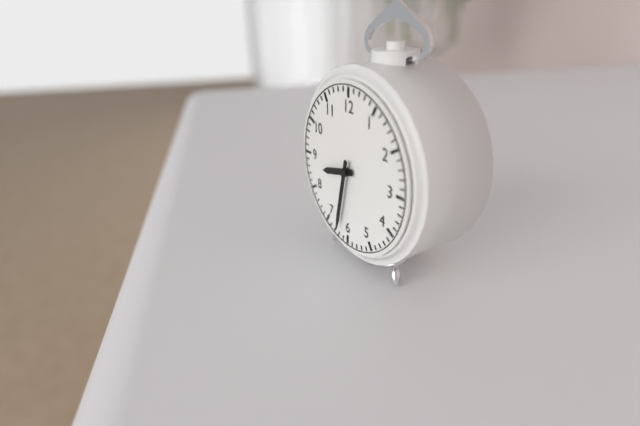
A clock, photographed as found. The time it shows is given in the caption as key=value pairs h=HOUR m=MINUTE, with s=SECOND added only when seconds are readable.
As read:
h=8 m=32
